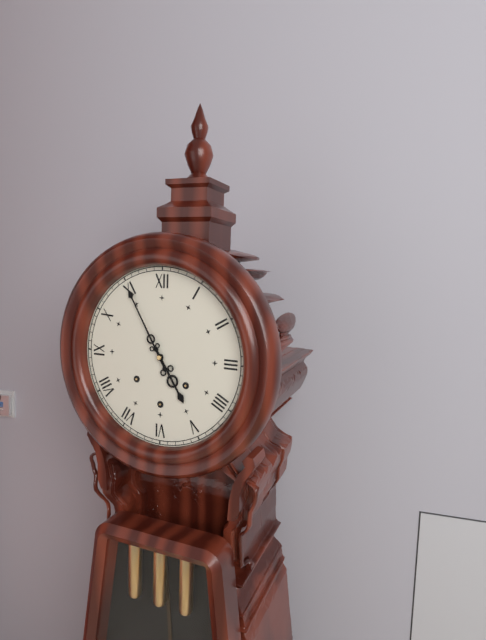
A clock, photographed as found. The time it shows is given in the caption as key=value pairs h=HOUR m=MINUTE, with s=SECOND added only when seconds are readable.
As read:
h=4 m=55
